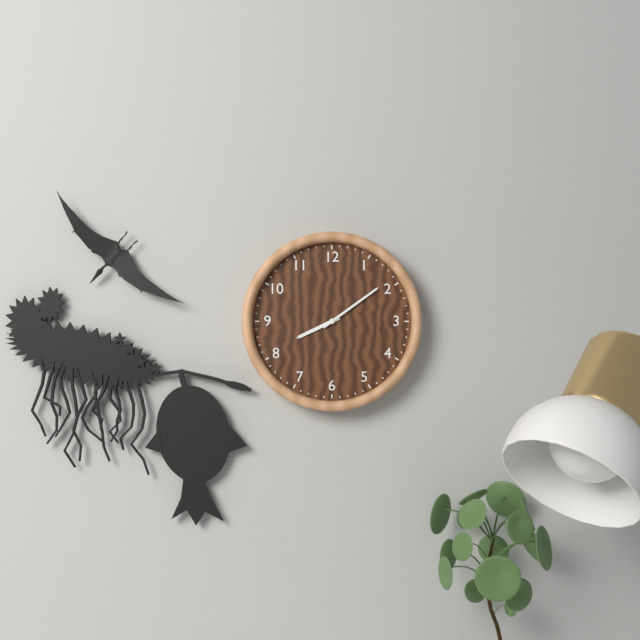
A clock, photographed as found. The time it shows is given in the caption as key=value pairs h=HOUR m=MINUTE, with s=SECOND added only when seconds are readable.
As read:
h=8 m=9
